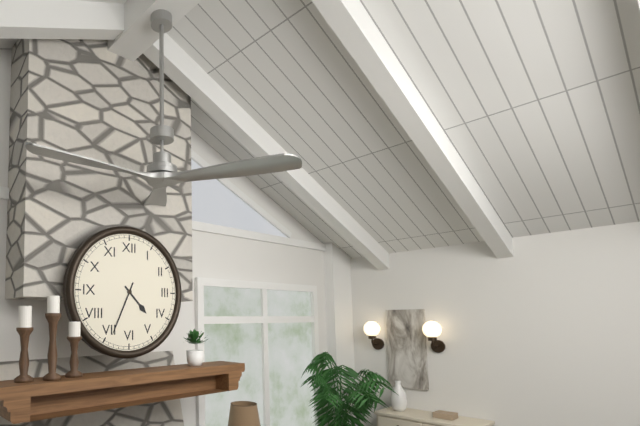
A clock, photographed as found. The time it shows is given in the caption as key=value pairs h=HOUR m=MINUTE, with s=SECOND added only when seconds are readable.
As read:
h=4 m=34
